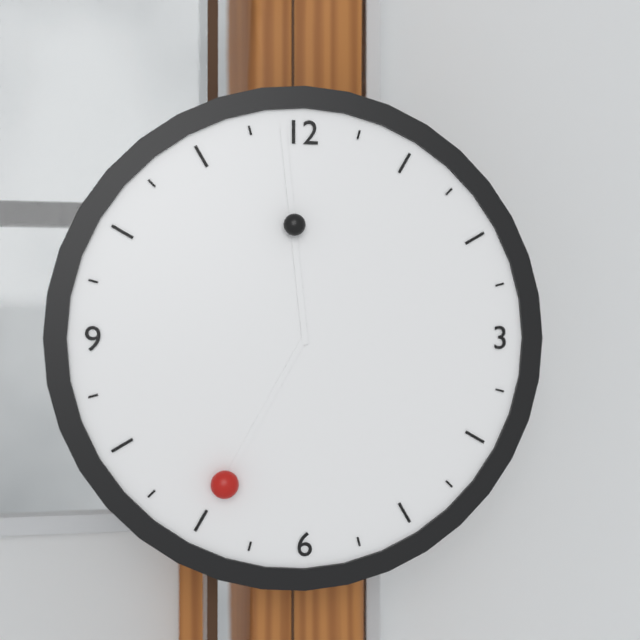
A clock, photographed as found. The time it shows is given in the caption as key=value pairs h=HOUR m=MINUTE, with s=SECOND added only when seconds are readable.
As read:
h=6 m=59
